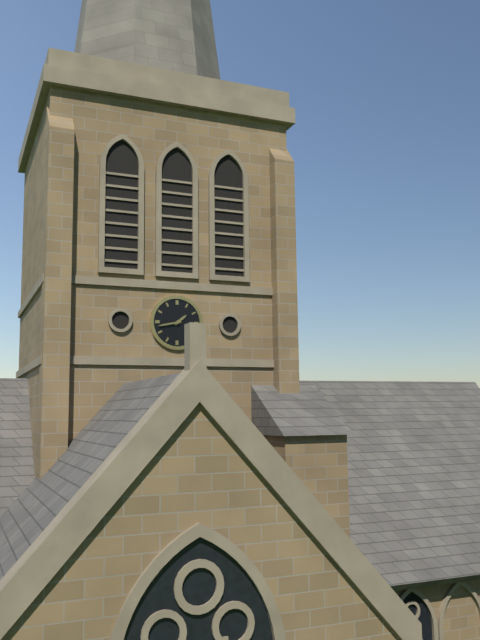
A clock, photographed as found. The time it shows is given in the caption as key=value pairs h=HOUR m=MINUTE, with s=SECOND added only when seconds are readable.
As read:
h=1 m=43
